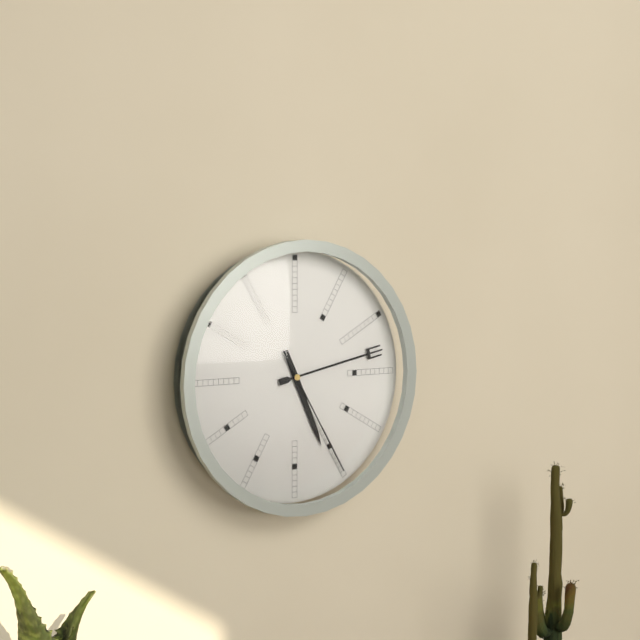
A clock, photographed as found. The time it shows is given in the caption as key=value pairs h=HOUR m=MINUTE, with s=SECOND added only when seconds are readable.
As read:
h=5 m=13 s=25
